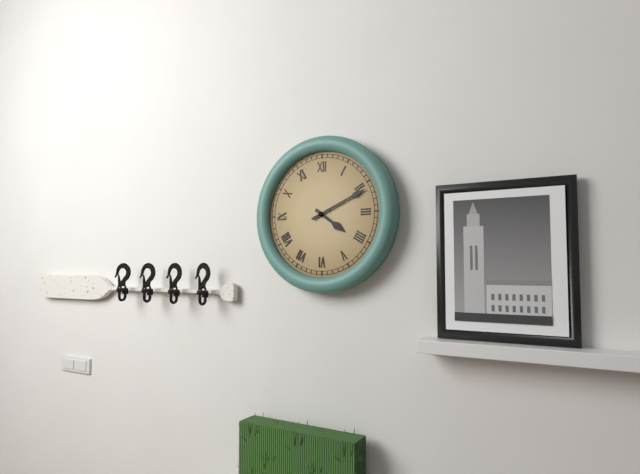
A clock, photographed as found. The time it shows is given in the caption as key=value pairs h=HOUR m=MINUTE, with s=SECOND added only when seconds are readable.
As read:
h=4 m=11
